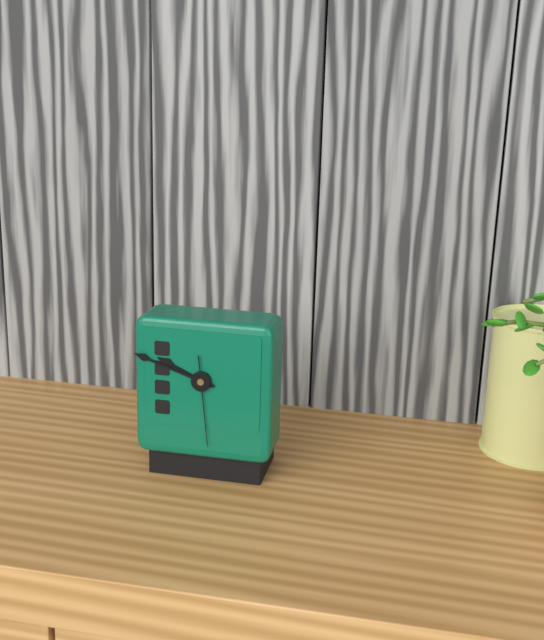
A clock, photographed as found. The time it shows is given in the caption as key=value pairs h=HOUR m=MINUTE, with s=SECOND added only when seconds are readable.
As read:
h=9 m=48 s=29
